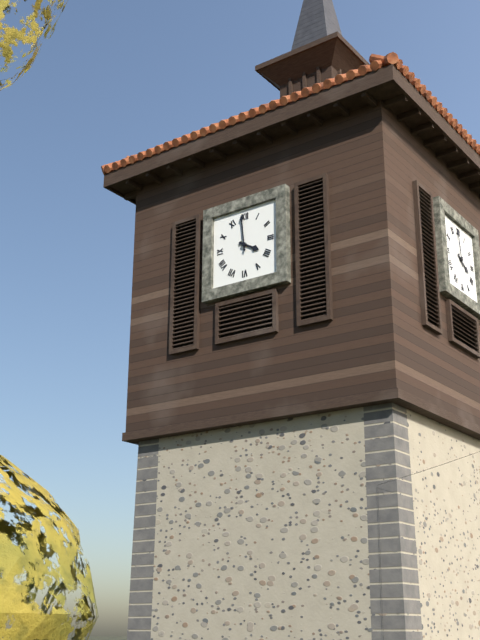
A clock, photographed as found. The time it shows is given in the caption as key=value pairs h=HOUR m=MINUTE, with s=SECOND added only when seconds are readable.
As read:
h=3 m=59
